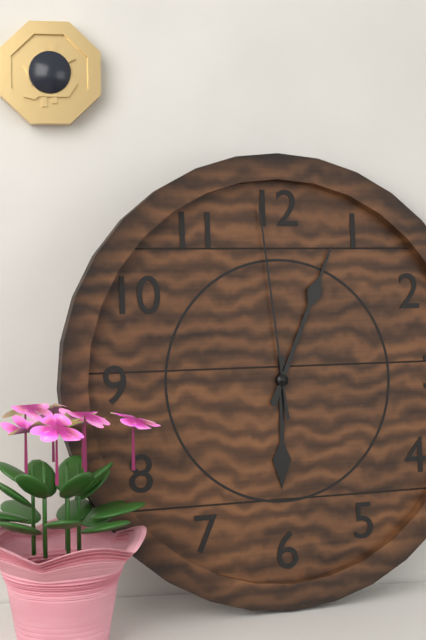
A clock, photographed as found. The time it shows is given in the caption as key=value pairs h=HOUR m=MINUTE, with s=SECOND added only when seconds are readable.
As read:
h=6 m=4 s=59
